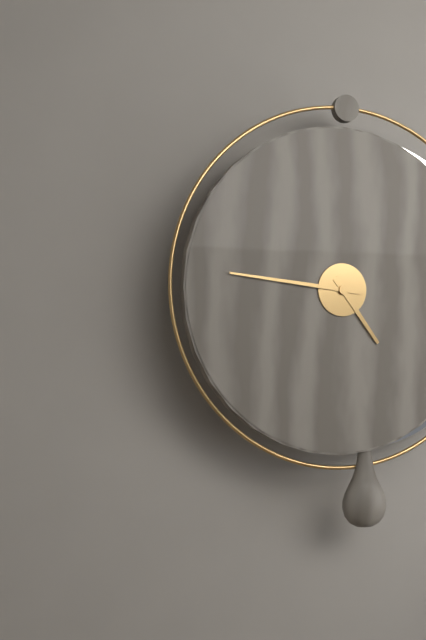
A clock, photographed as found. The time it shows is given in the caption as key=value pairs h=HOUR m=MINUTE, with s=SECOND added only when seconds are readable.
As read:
h=4 m=46
